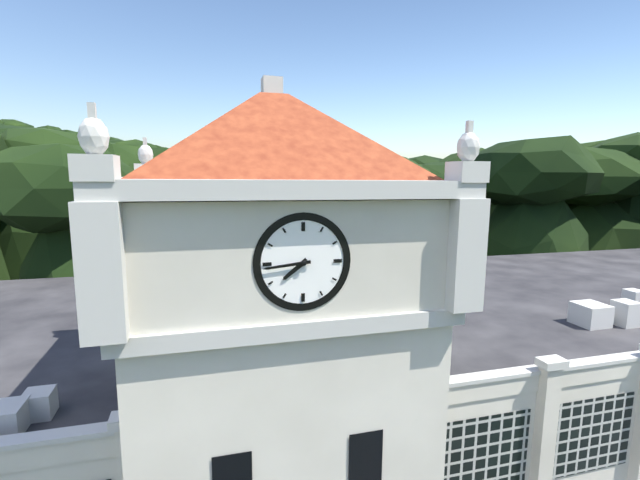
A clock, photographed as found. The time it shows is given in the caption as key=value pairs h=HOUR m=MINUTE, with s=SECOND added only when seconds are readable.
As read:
h=7 m=44
